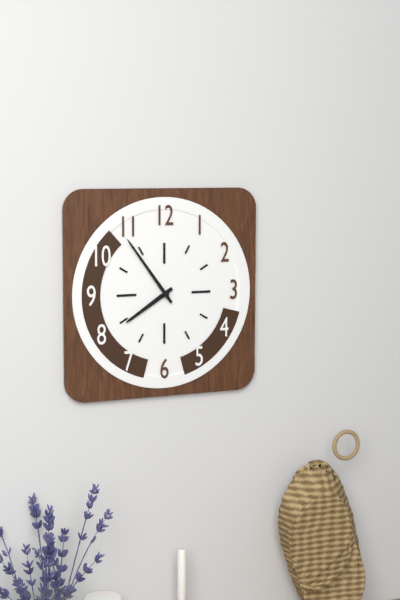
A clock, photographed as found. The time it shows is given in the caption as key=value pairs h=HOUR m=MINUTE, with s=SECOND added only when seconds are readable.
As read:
h=7 m=54
